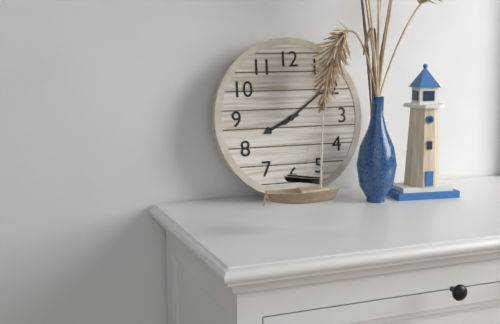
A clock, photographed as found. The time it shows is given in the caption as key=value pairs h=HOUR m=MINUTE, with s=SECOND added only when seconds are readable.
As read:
h=8 m=9
